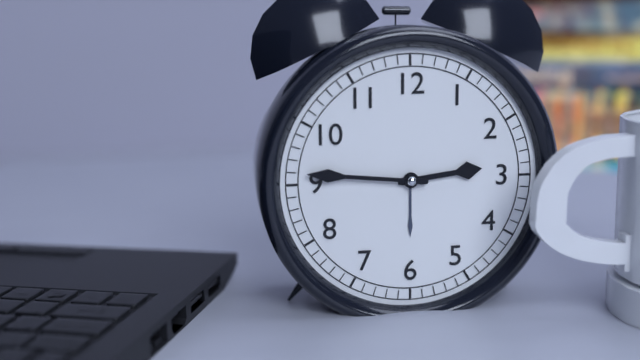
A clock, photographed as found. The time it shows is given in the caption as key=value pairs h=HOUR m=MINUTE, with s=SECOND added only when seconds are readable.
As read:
h=2 m=46
